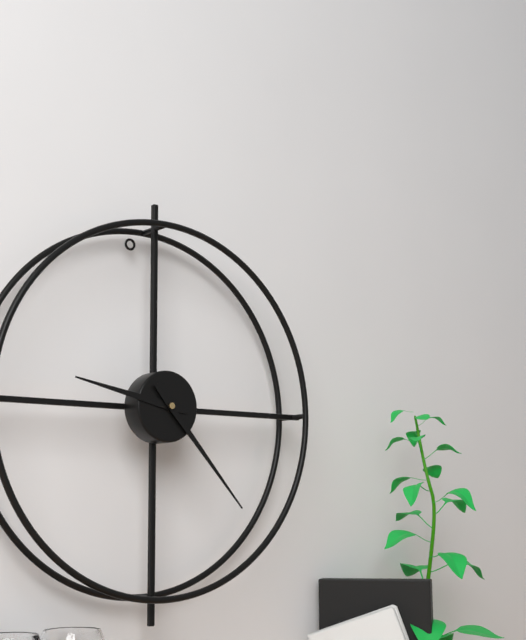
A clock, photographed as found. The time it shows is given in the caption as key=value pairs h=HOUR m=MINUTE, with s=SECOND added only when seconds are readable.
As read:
h=9 m=23
